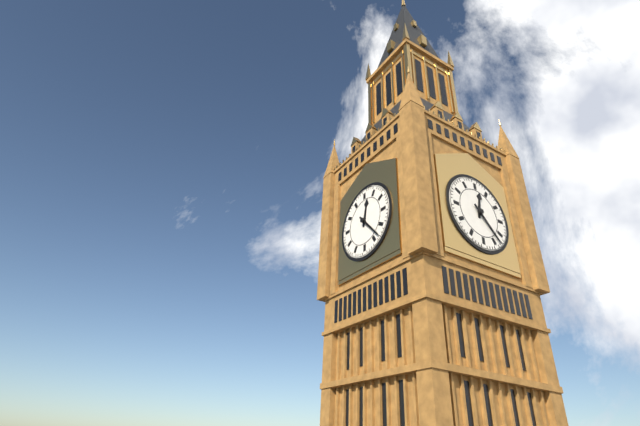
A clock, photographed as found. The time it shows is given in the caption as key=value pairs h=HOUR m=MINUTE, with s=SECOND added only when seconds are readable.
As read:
h=12 m=23
